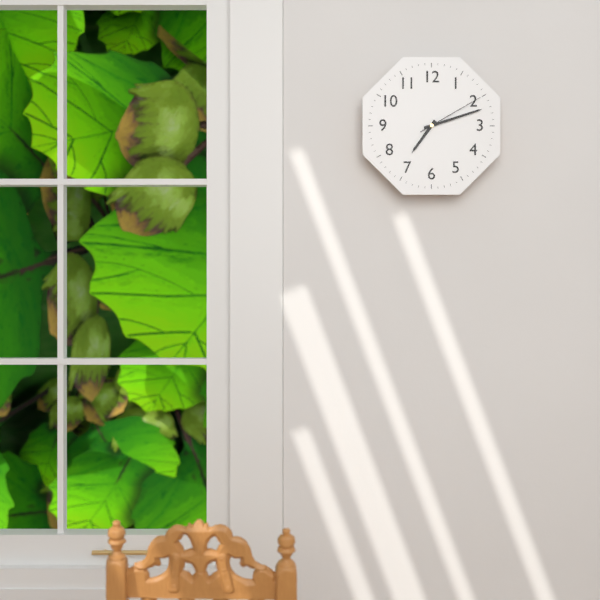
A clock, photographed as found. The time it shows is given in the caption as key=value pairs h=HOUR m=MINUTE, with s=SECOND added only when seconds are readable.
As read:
h=7 m=12 s=10
